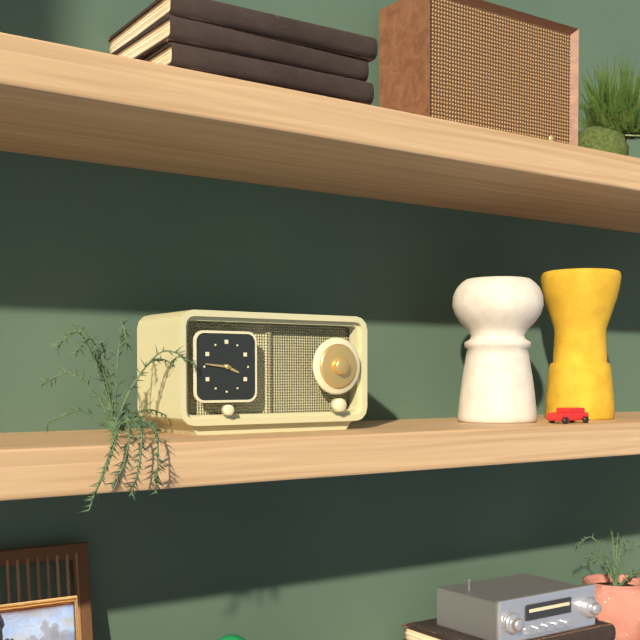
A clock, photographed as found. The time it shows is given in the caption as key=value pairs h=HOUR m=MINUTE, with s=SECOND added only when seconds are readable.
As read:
h=3 m=46
